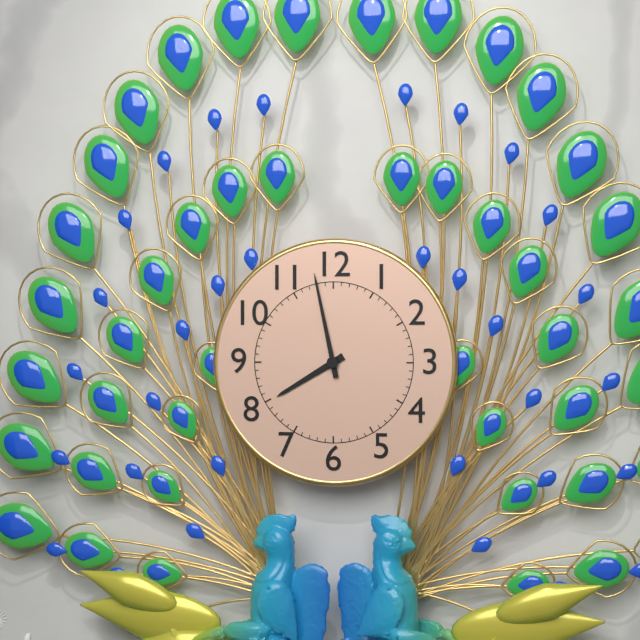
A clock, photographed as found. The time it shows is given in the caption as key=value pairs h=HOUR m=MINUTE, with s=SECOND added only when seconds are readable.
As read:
h=7 m=58
